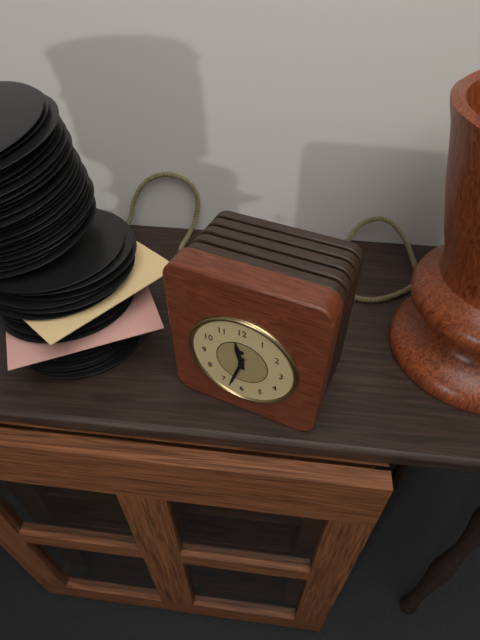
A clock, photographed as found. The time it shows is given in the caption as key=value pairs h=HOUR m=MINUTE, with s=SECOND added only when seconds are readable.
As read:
h=11 m=33
